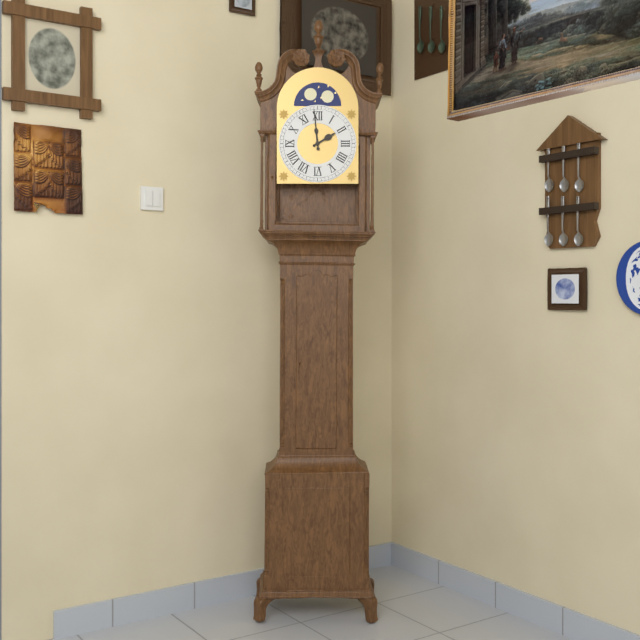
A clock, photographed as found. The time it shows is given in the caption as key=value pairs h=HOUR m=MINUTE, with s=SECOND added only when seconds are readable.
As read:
h=1 m=59
